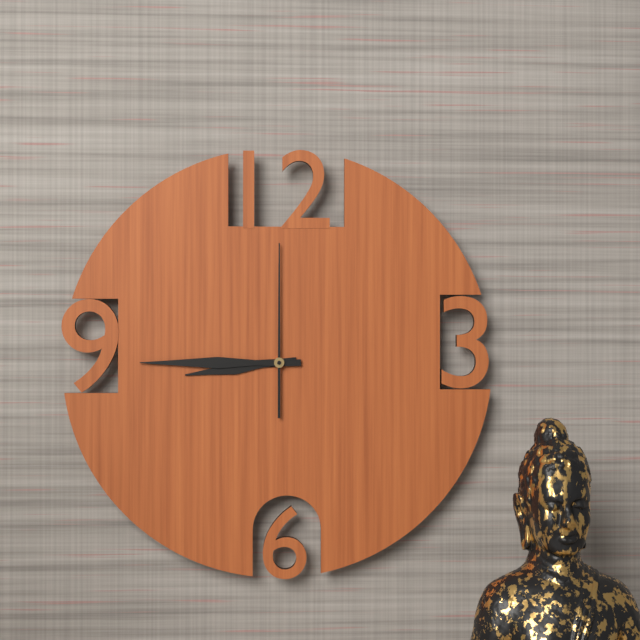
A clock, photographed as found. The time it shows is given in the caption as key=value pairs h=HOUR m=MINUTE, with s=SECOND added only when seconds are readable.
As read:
h=8 m=45 s=0
